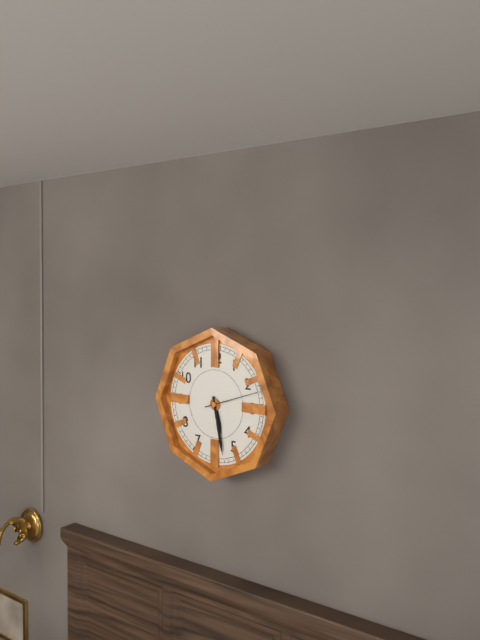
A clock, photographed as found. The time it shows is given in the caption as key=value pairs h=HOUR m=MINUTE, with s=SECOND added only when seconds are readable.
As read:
h=5 m=28 s=12
